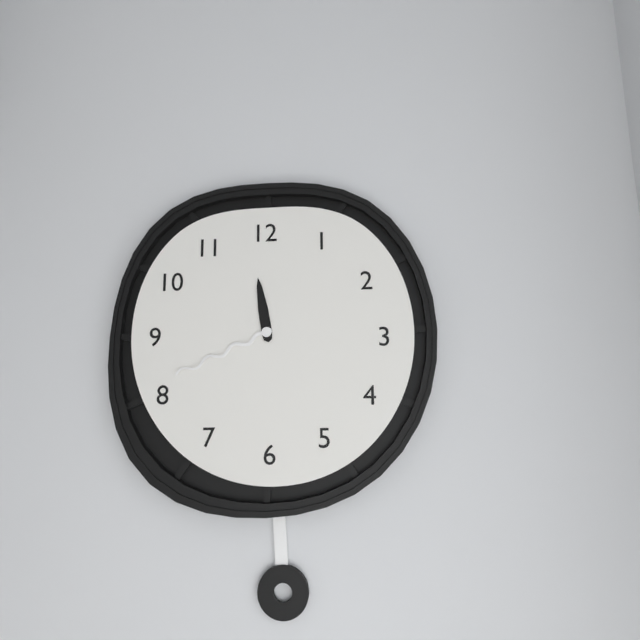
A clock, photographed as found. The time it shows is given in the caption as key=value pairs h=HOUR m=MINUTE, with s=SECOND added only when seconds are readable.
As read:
h=11 m=41
